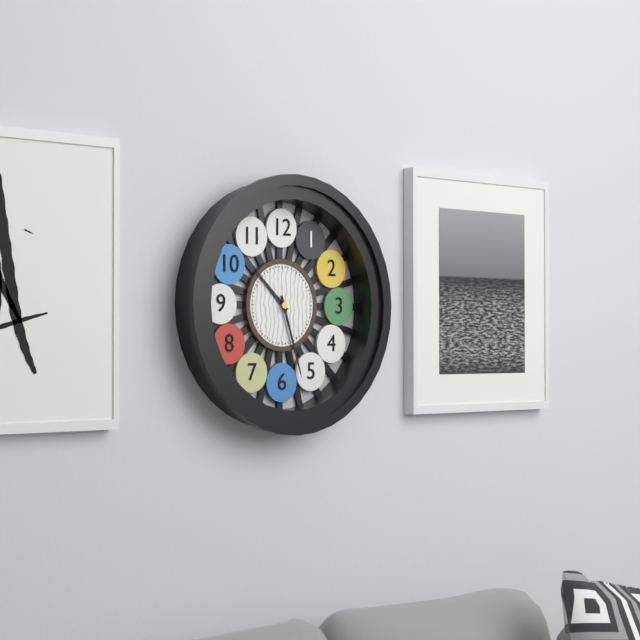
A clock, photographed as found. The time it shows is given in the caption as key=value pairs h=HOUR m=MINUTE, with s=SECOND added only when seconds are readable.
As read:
h=10 m=27
